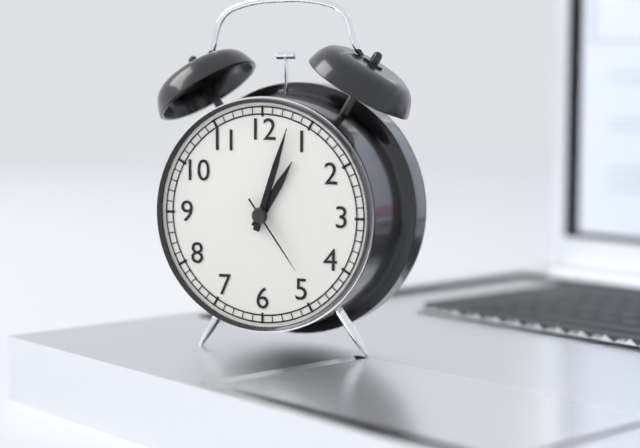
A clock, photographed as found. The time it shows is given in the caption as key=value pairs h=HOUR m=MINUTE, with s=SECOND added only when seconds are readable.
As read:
h=1 m=3 s=24
